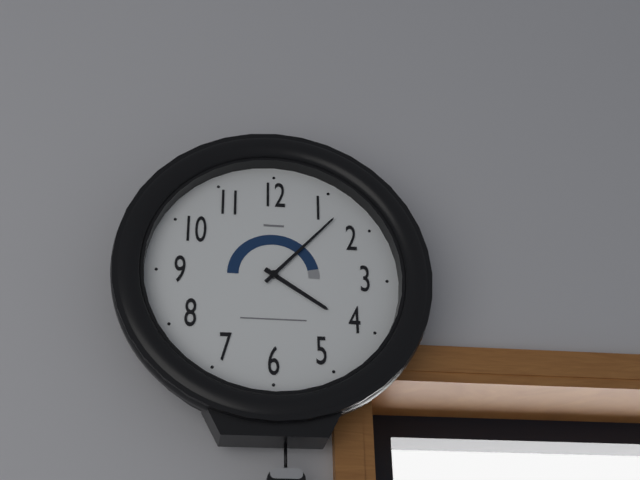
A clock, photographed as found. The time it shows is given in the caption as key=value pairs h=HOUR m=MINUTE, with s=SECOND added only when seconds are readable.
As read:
h=4 m=7
